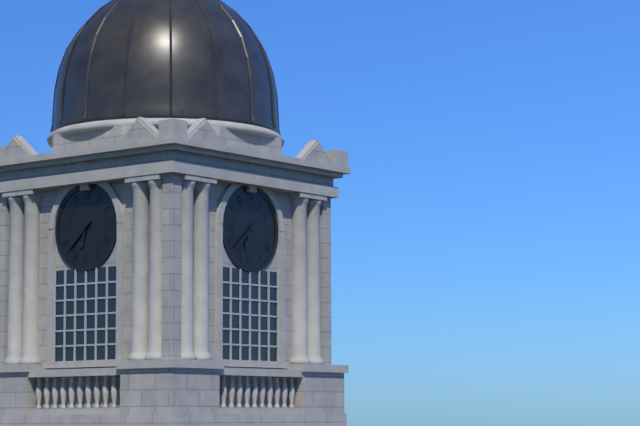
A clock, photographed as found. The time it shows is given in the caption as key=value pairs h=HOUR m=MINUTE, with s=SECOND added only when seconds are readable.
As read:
h=6 m=38
